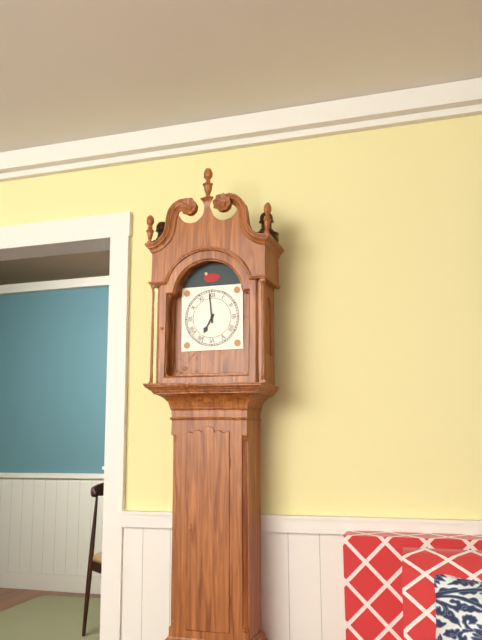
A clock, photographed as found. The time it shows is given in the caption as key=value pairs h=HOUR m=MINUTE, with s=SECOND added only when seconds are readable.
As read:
h=6 m=59
